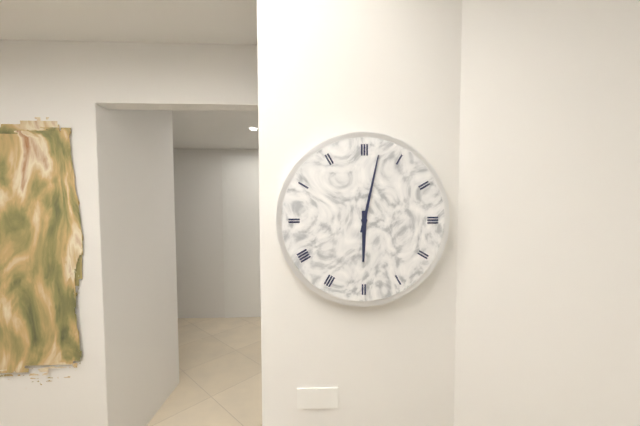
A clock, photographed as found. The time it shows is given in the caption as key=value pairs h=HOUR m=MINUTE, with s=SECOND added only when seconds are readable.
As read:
h=6 m=2
